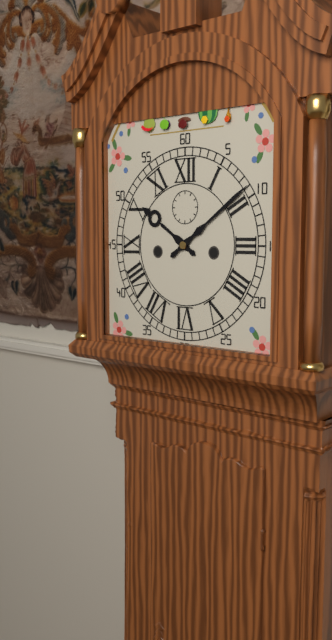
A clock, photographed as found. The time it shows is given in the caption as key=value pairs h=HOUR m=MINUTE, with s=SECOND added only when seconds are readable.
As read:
h=10 m=9
